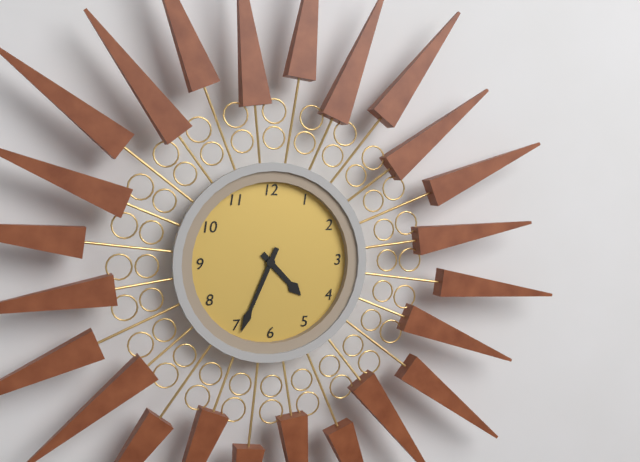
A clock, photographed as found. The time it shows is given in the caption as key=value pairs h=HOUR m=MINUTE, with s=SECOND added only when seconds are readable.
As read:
h=4 m=34
